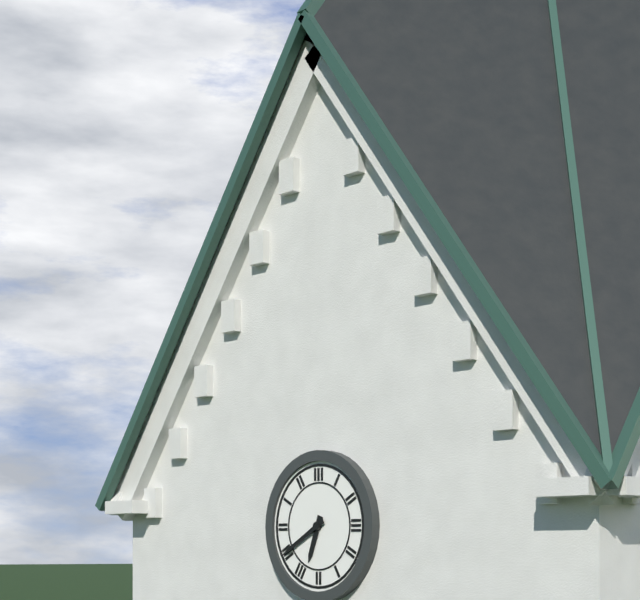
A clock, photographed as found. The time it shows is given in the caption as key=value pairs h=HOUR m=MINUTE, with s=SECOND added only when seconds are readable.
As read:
h=6 m=40
